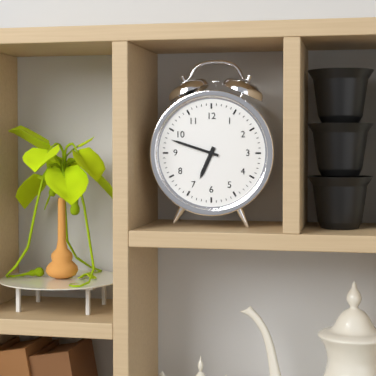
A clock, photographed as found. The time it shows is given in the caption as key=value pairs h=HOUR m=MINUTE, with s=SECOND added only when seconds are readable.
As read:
h=6 m=48
